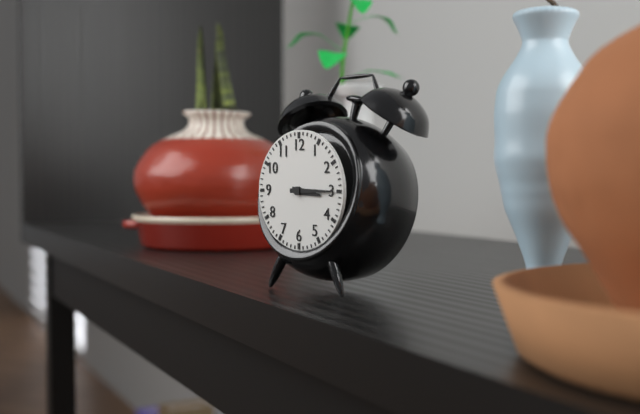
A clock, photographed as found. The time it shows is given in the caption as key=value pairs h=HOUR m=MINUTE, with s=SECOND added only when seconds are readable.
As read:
h=3 m=15
